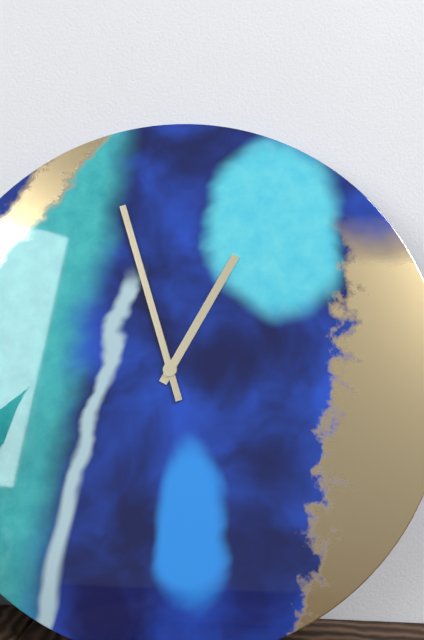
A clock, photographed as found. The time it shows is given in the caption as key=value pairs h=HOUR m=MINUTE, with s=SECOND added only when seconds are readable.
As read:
h=12 m=57
